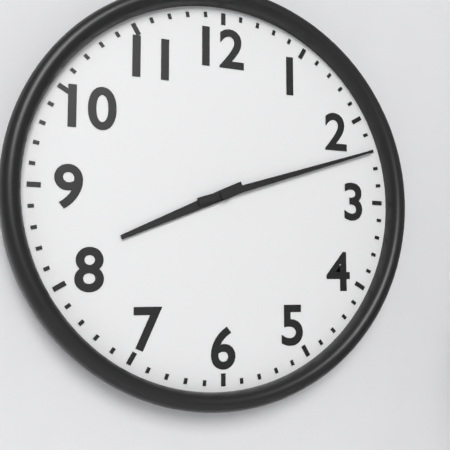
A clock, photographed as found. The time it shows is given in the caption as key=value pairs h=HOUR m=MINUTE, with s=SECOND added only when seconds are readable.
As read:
h=8 m=12
